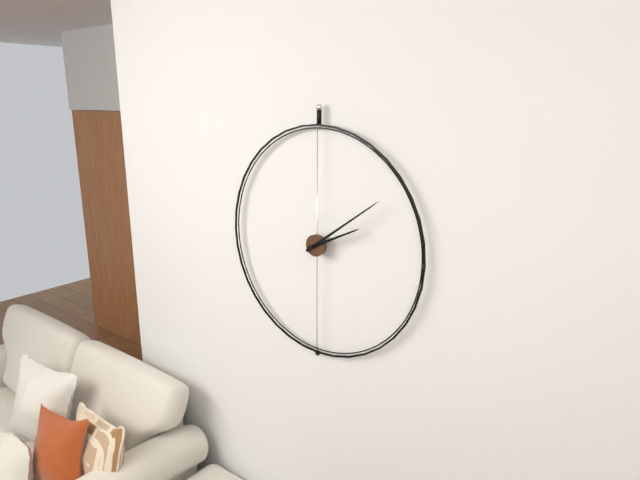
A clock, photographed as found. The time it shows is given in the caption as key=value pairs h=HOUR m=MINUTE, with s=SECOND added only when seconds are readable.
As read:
h=2 m=9
